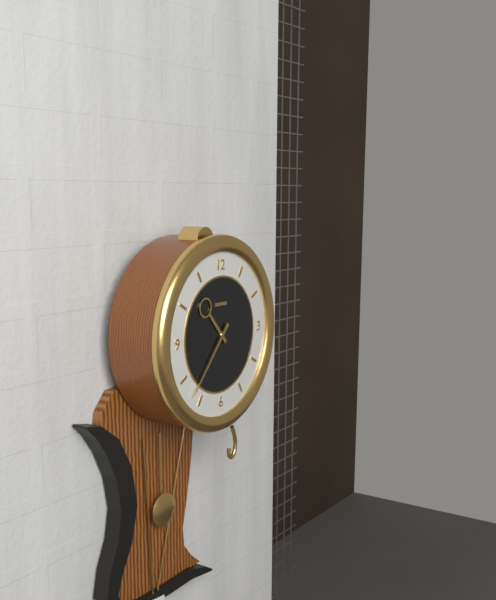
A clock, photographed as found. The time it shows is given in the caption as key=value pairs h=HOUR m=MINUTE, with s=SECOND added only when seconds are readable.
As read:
h=10 m=37
